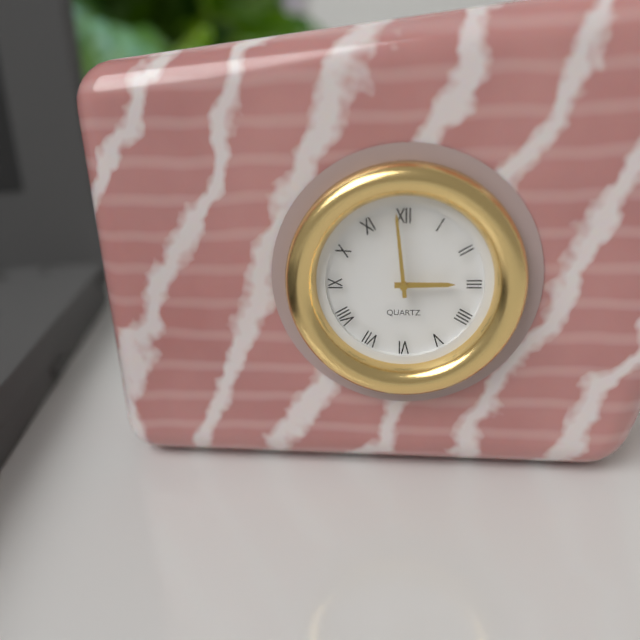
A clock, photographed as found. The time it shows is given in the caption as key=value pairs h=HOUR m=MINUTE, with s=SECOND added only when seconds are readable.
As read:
h=2 m=59
